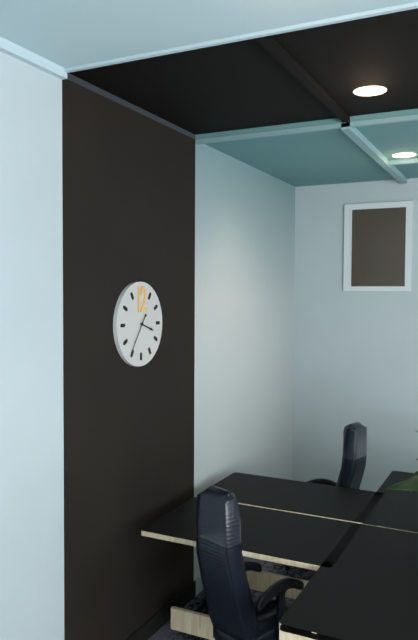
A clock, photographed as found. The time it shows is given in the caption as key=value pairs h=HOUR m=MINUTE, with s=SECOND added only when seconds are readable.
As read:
h=3 m=36
